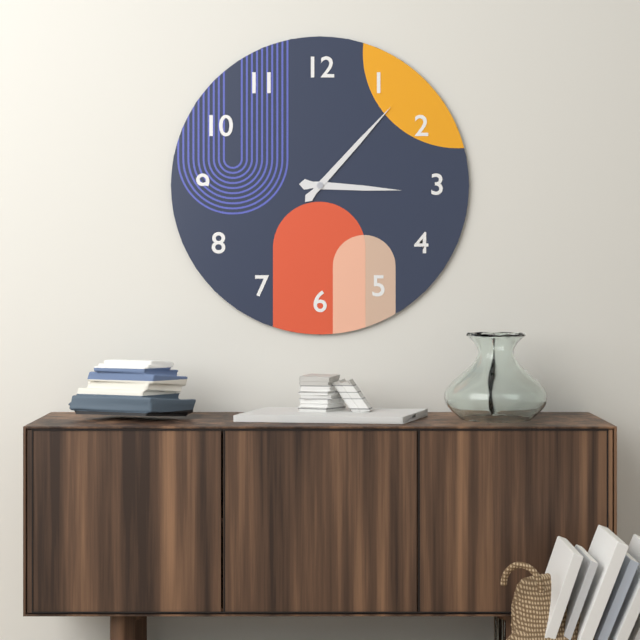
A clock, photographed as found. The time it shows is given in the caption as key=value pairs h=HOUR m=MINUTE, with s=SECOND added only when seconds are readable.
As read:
h=3 m=7
